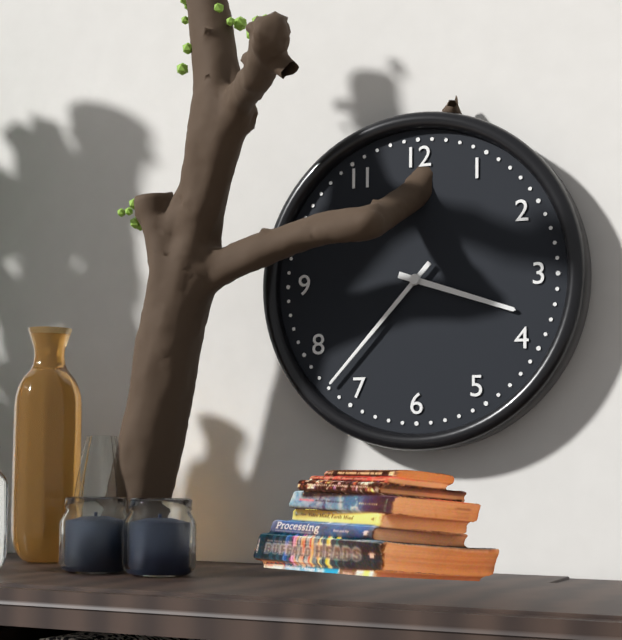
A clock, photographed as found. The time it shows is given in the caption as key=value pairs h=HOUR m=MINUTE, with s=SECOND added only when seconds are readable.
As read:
h=3 m=37
